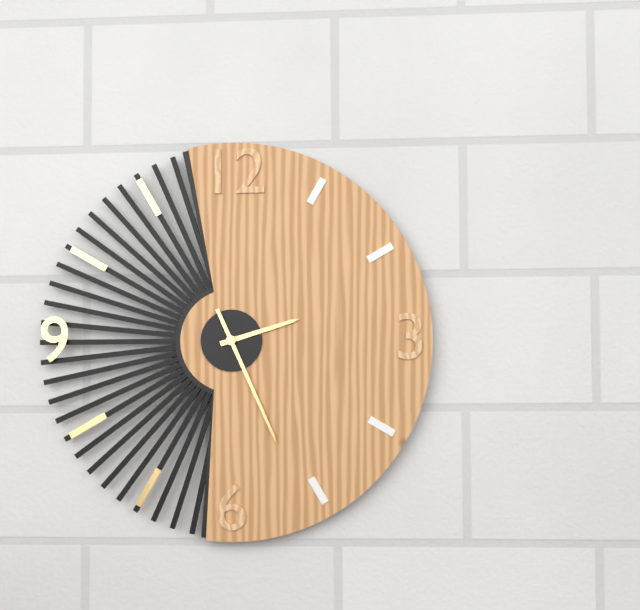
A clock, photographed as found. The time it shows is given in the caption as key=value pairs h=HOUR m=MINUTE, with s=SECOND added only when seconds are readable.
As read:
h=2 m=26
